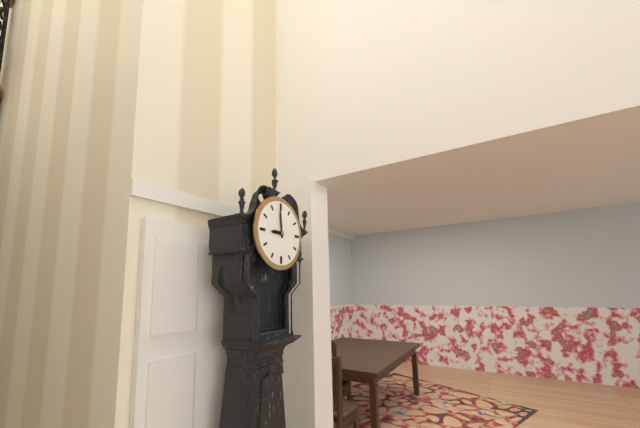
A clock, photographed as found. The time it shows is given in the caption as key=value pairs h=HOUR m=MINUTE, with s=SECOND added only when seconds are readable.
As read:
h=8 m=59
